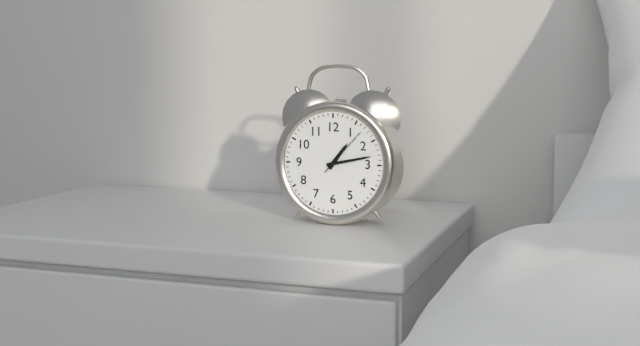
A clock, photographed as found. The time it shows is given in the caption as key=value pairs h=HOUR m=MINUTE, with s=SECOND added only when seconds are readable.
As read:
h=1 m=13 s=7
